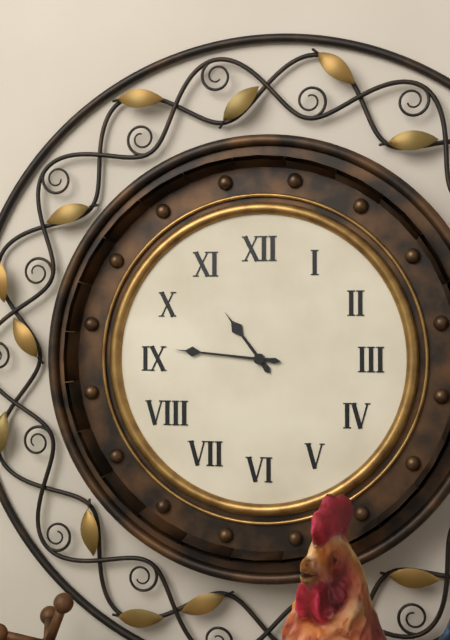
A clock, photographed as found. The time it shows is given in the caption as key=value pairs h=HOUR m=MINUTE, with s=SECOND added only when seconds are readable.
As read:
h=10 m=46
